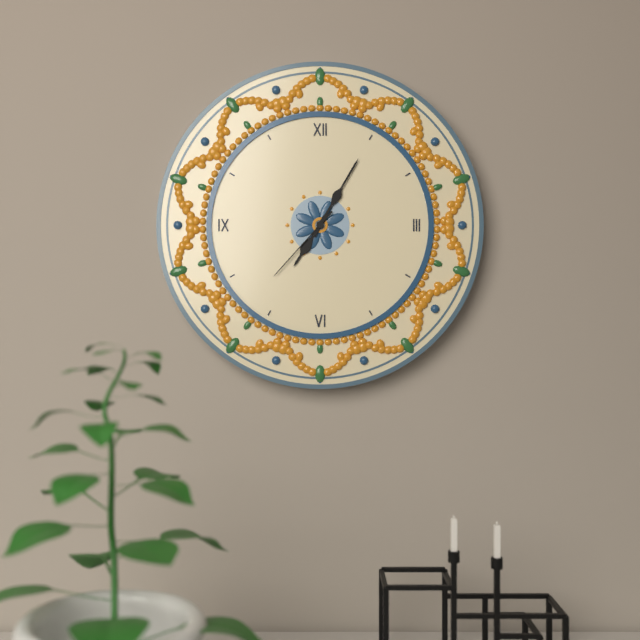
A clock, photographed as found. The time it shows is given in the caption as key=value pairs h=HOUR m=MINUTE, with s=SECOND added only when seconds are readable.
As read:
h=7 m=5 s=37
